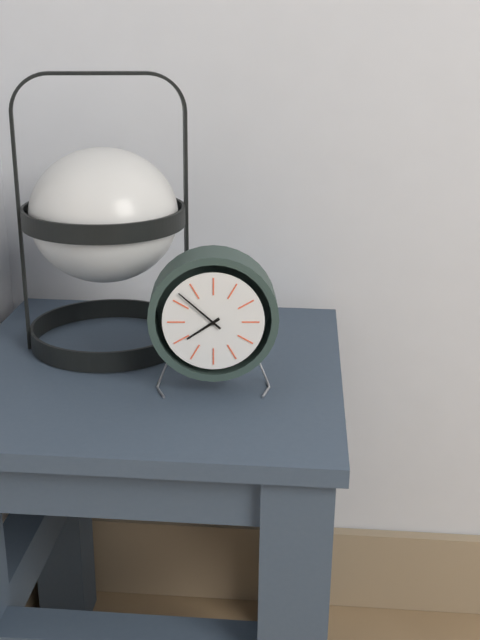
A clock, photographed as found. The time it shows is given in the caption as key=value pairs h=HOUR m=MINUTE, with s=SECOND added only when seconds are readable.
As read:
h=7 m=52
